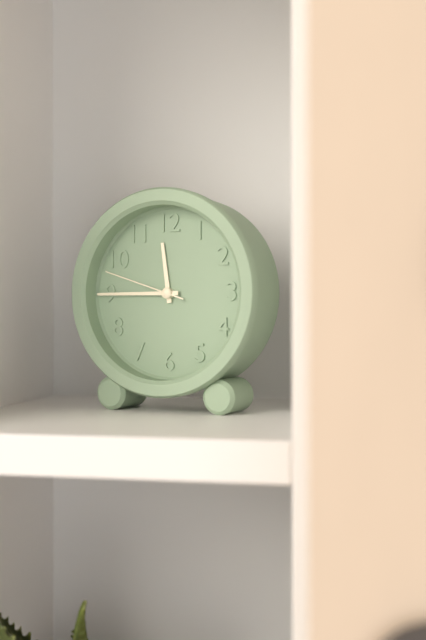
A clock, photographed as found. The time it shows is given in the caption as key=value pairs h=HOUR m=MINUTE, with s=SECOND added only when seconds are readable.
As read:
h=11 m=45 s=48
